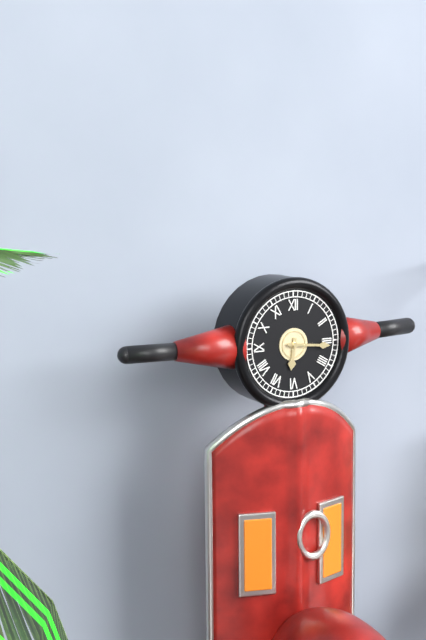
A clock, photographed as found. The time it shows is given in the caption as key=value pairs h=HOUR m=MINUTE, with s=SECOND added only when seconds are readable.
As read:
h=6 m=16
